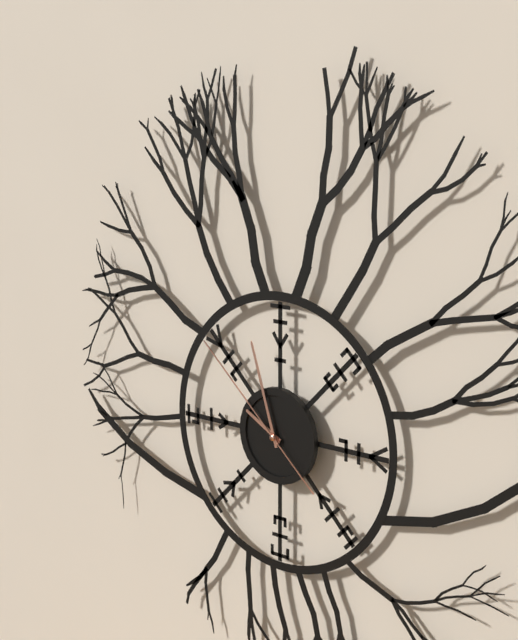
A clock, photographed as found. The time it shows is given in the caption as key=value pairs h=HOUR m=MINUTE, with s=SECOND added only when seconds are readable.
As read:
h=9 m=57 s=52
